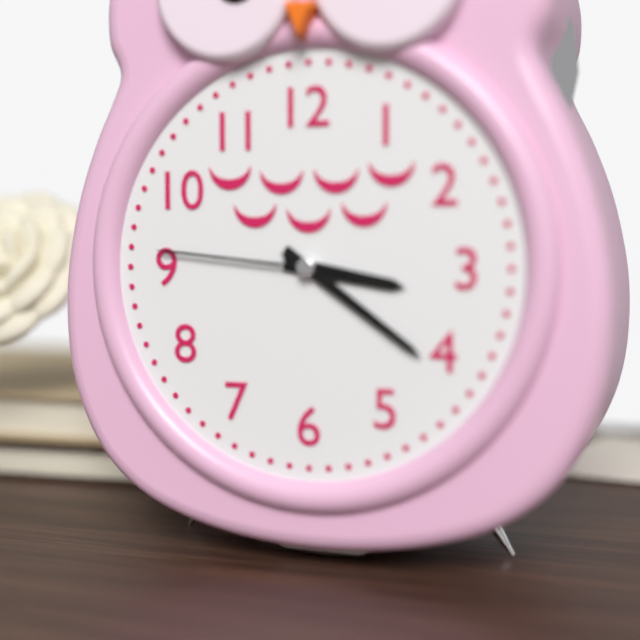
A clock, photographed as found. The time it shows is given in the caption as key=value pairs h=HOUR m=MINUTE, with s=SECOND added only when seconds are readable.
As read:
h=3 m=21 s=46
